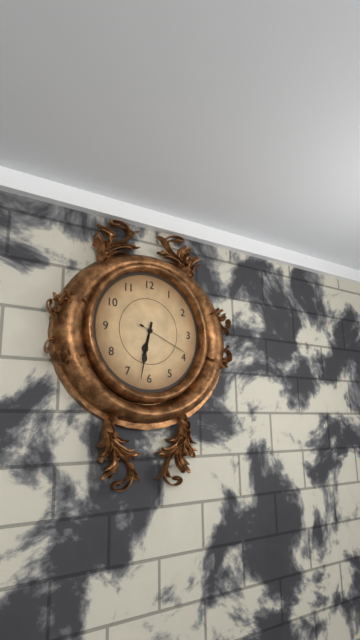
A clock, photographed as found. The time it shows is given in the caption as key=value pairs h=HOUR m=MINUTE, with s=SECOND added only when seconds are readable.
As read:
h=6 m=32 s=19
